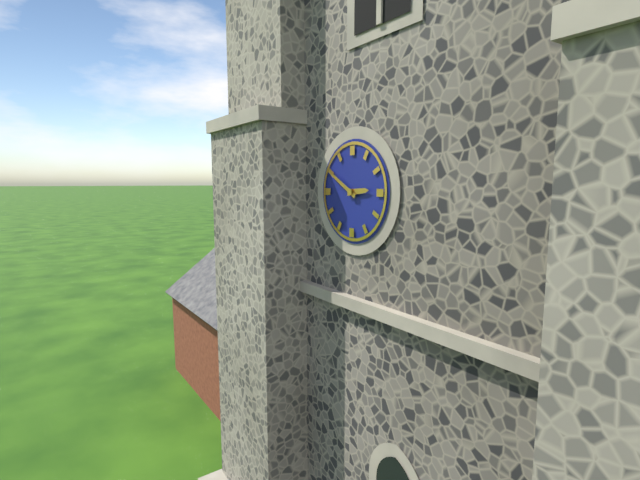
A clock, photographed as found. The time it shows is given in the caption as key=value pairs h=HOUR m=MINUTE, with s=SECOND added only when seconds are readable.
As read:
h=2 m=50
